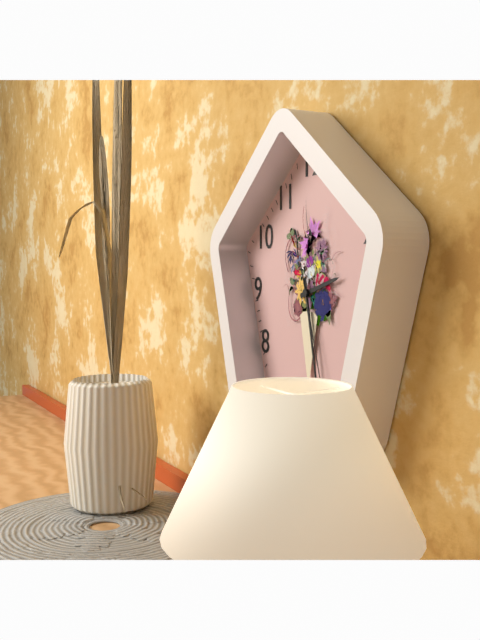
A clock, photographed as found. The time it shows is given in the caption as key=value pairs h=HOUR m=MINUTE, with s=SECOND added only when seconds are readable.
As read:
h=2 m=28 s=27
